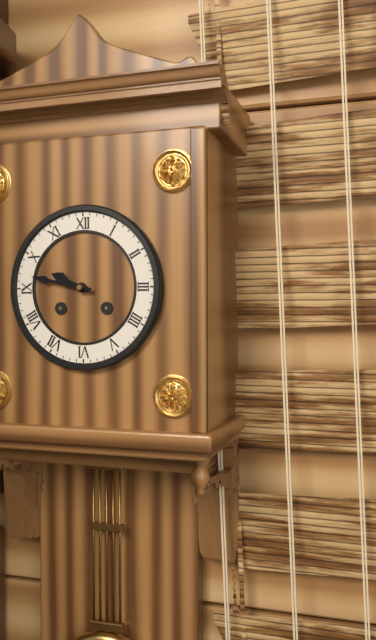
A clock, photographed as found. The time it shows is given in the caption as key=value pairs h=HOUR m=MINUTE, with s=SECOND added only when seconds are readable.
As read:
h=9 m=47
